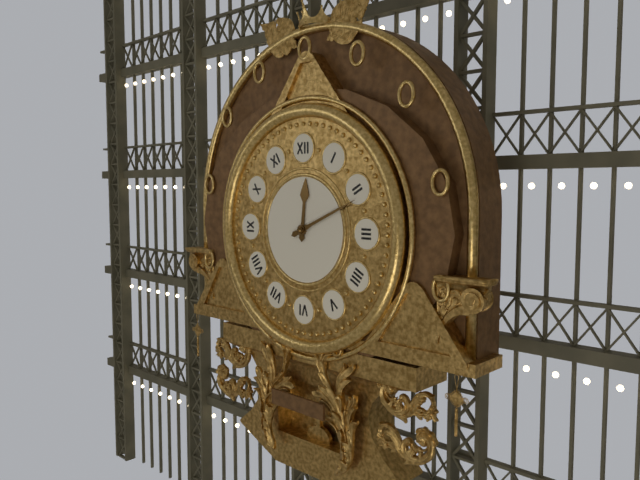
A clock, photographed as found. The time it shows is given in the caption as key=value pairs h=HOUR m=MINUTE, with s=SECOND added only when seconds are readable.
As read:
h=12 m=11
